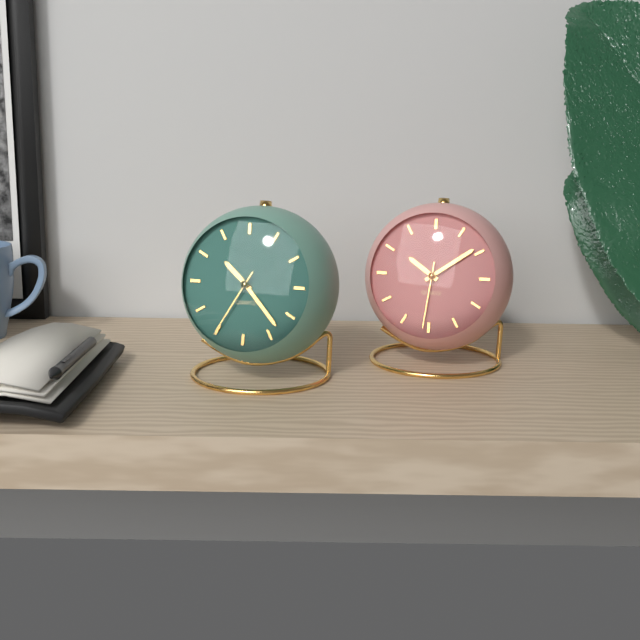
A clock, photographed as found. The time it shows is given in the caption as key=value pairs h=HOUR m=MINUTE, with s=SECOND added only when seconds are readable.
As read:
h=10 m=23 s=35
